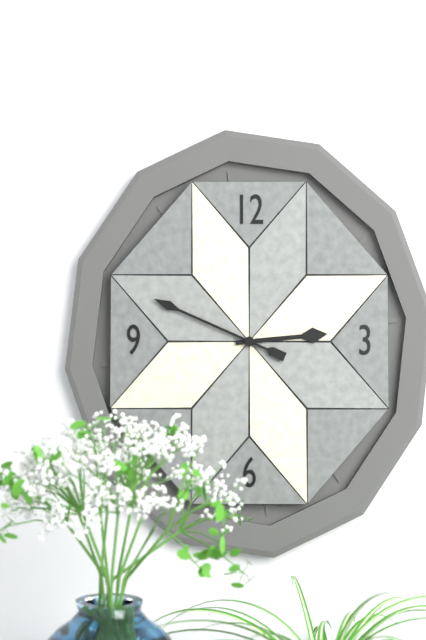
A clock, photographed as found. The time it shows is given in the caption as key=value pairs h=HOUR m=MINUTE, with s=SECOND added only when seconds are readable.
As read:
h=2 m=49
